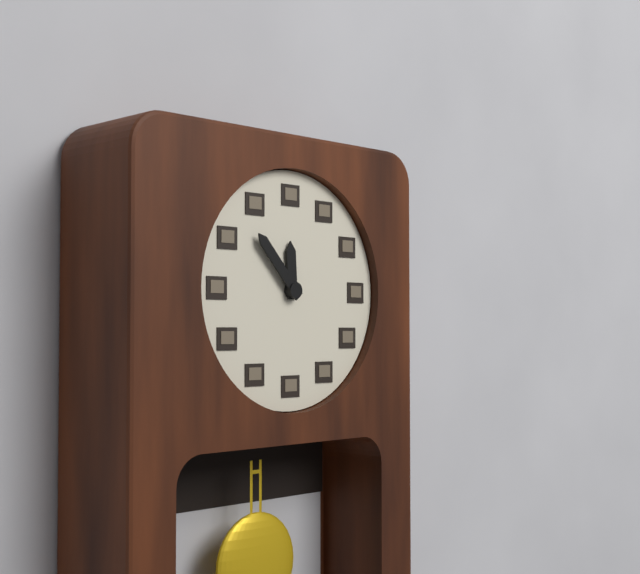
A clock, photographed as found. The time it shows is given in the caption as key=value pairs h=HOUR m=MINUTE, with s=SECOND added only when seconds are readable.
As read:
h=11 m=53
